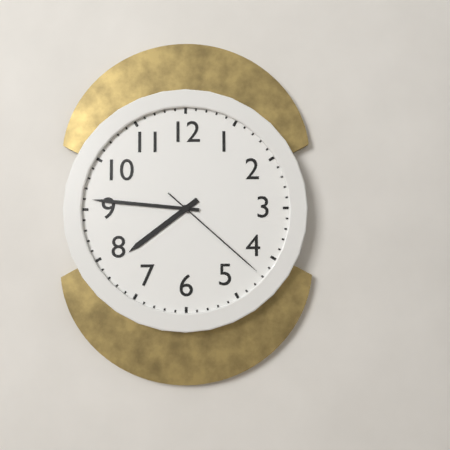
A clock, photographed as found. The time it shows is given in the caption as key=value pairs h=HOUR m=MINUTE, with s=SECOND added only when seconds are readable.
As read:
h=7 m=46 s=22
